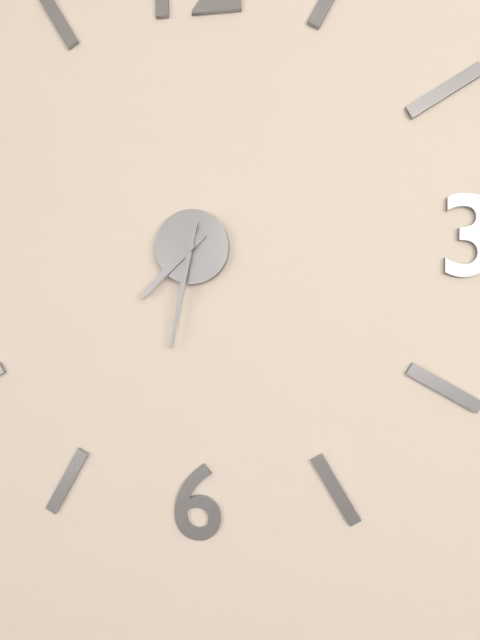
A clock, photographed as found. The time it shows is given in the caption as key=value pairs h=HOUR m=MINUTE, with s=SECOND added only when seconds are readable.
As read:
h=7 m=32
